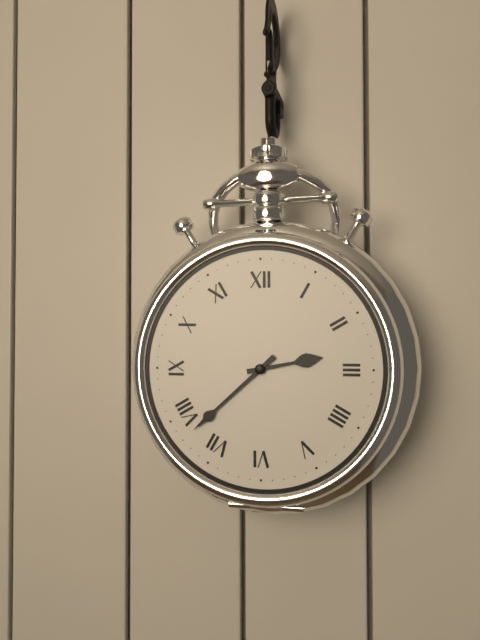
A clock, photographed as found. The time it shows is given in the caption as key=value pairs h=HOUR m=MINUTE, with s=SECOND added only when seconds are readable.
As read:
h=2 m=38
